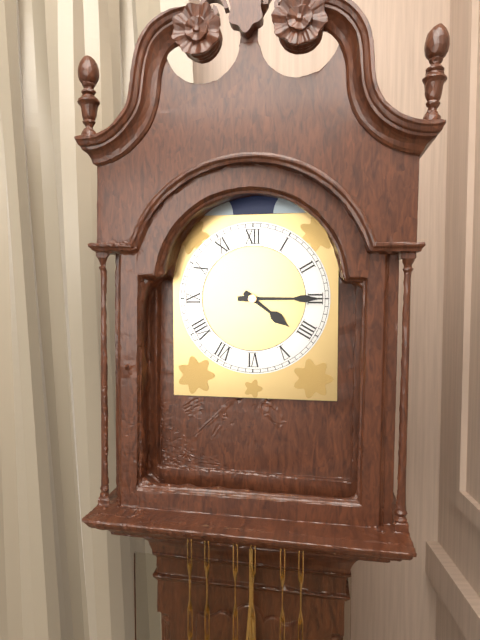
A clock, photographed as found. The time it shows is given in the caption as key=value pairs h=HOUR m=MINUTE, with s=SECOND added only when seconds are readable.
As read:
h=4 m=15
